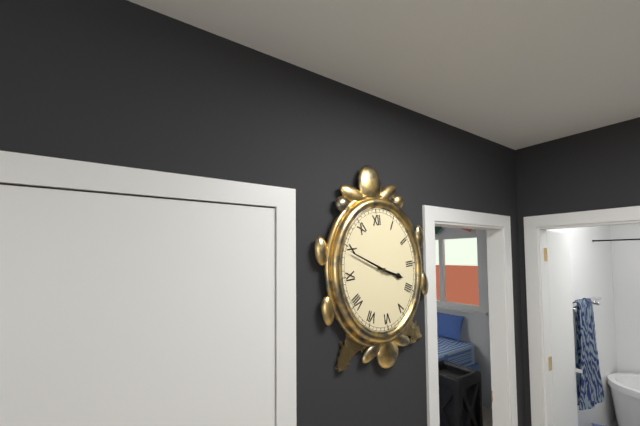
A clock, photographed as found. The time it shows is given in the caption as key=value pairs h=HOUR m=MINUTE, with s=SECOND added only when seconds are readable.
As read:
h=3 m=50
